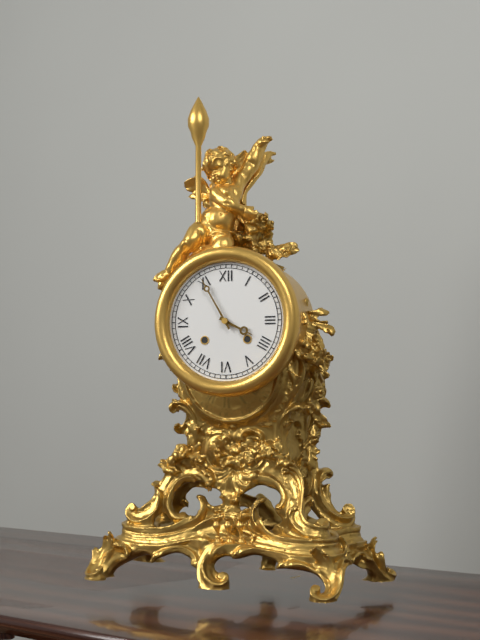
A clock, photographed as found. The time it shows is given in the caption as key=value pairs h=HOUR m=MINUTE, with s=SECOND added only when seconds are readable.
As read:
h=3 m=55
